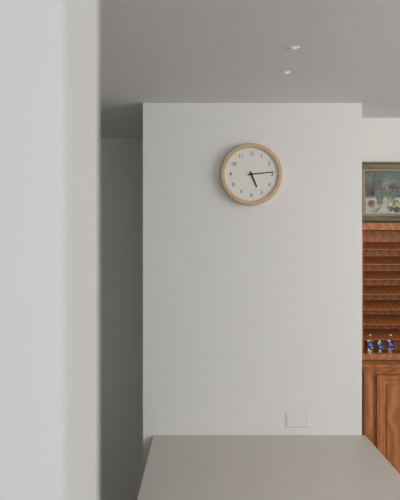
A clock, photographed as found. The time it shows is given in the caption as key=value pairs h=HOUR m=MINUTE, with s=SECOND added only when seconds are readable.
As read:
h=5 m=14
